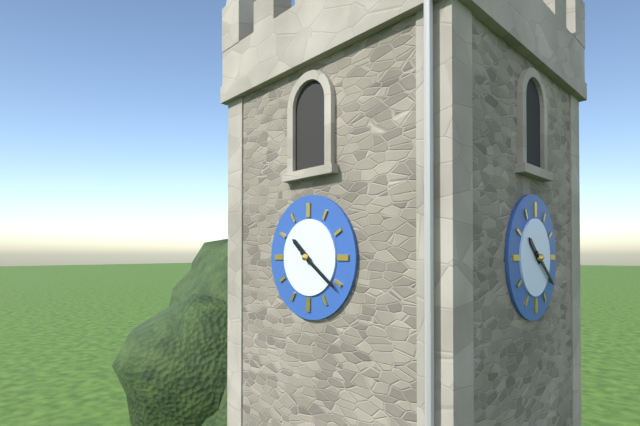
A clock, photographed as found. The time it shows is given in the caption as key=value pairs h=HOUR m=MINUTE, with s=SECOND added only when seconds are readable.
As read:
h=10 m=21
